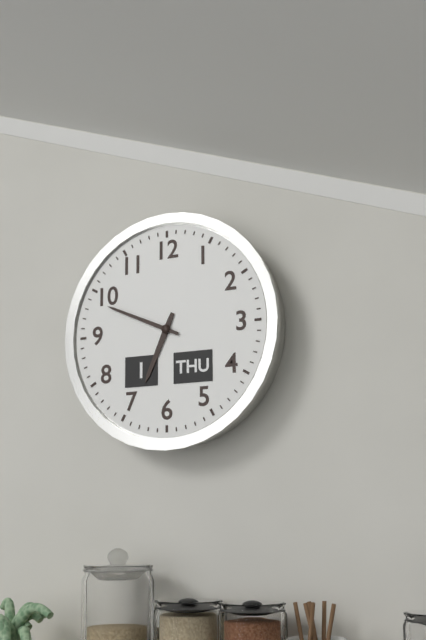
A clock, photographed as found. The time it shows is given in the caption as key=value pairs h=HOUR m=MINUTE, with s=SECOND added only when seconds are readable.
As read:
h=6 m=49
